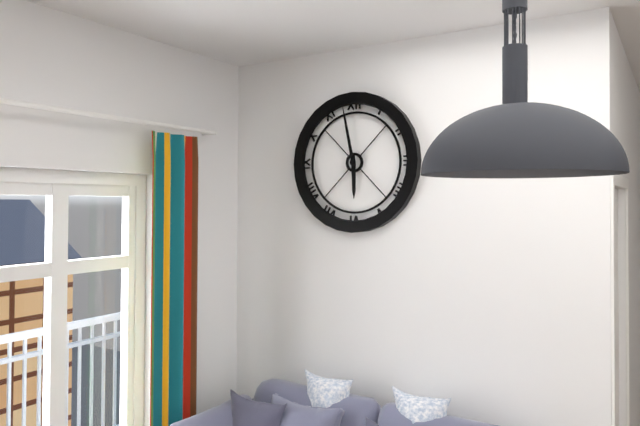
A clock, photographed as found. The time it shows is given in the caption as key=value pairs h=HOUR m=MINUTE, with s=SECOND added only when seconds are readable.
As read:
h=5 m=58
